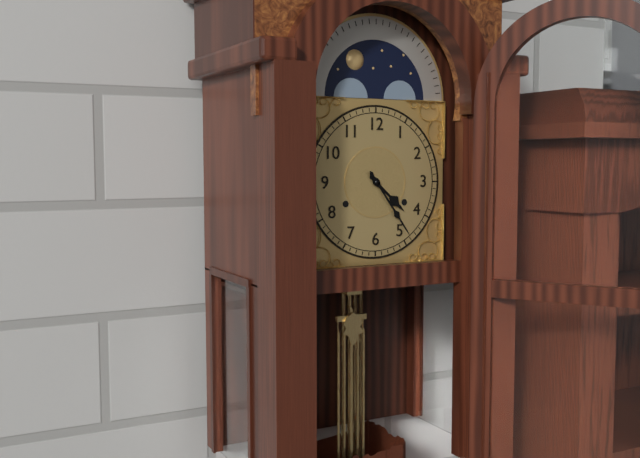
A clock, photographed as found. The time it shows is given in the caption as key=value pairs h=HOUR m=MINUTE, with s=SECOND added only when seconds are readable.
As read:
h=4 m=24
